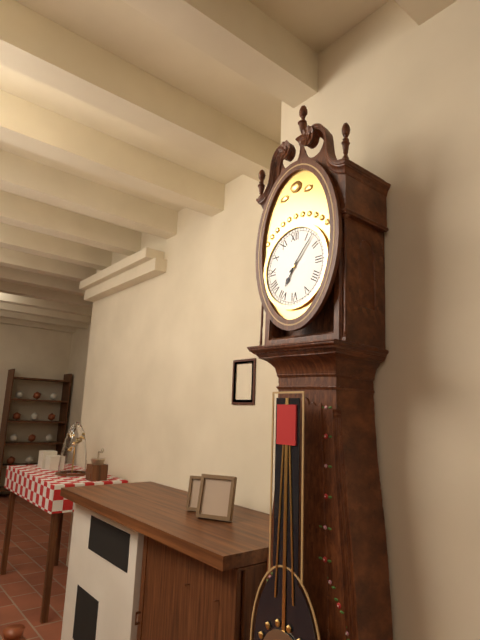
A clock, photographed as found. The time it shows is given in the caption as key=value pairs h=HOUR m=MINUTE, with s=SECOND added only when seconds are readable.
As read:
h=7 m=7
